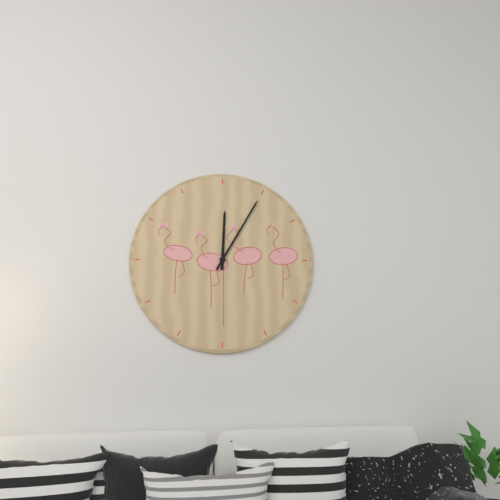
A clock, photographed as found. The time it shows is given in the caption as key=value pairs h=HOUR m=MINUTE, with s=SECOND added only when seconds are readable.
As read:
h=12 m=5
